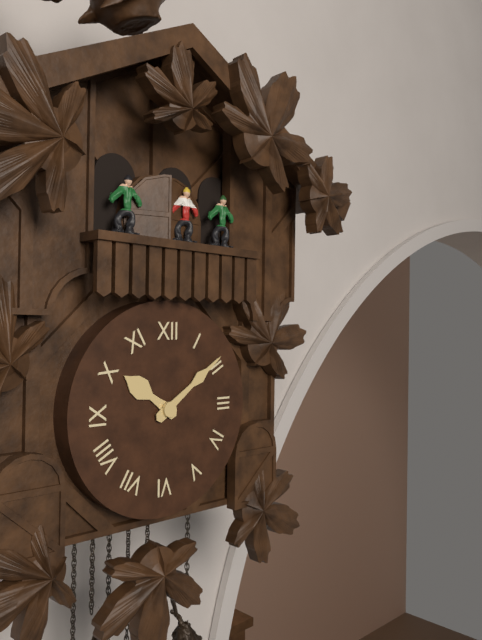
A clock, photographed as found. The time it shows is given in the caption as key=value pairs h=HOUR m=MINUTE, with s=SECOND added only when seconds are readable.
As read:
h=10 m=9
